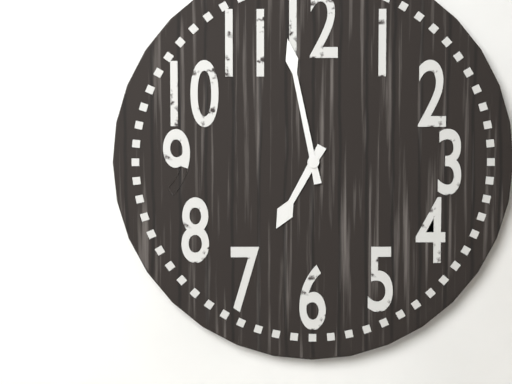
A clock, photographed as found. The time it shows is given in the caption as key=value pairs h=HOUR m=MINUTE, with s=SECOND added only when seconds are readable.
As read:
h=6 m=58
